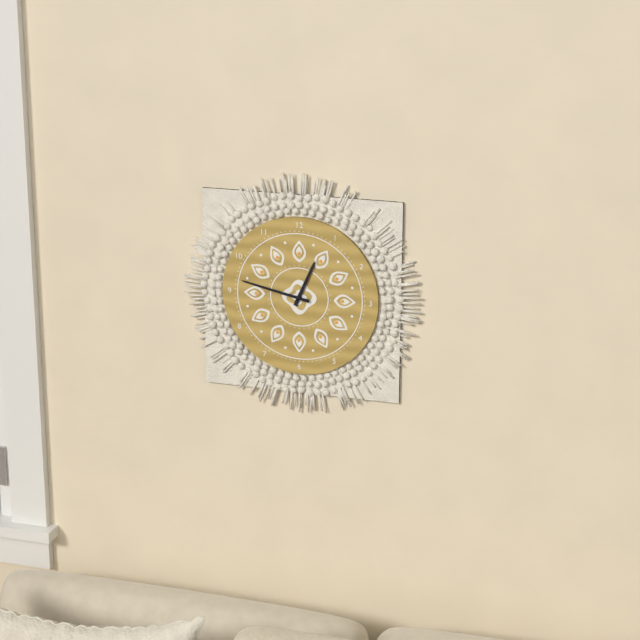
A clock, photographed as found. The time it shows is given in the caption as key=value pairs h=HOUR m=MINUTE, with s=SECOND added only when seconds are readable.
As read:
h=12 m=47
